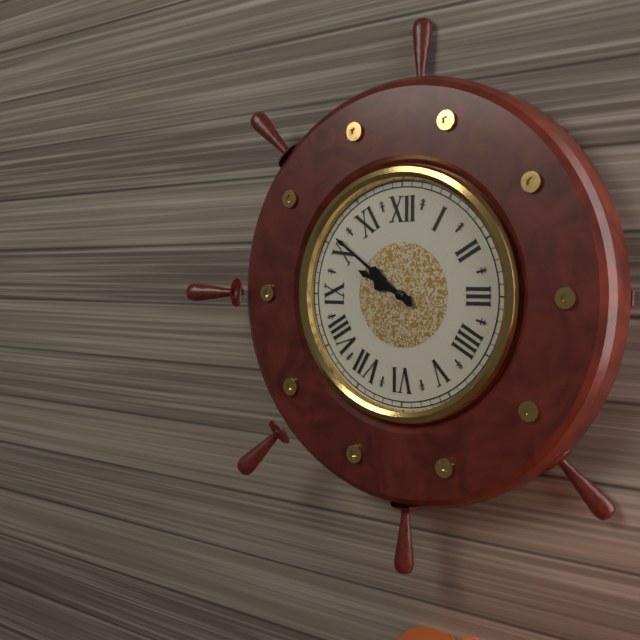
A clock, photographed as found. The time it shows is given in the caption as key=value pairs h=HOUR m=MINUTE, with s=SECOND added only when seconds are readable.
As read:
h=9 m=51
